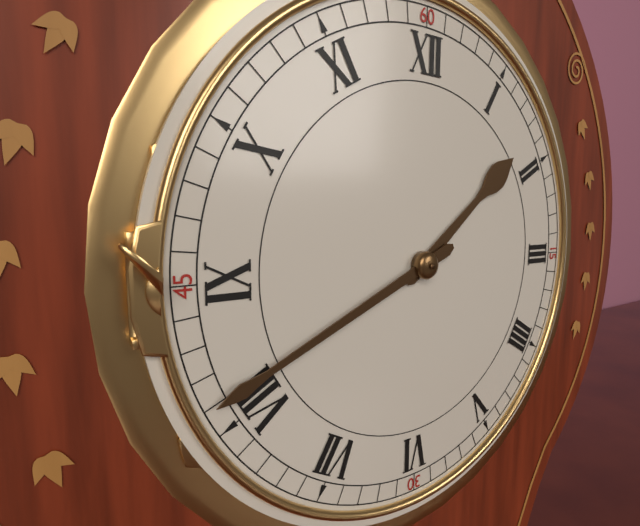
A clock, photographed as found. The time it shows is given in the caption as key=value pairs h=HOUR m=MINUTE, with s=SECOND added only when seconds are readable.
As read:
h=1 m=41
